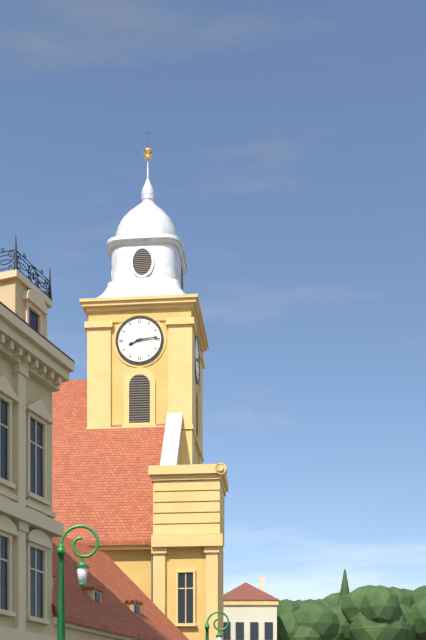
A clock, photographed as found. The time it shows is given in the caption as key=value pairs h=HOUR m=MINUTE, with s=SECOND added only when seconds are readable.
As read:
h=8 m=14
